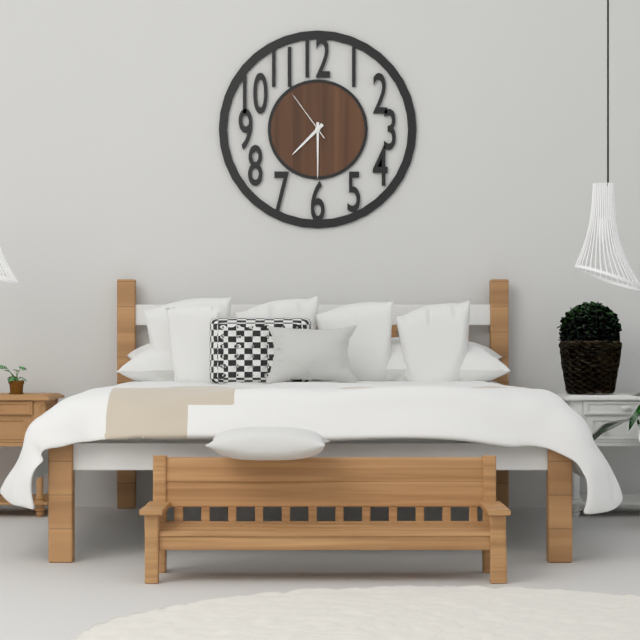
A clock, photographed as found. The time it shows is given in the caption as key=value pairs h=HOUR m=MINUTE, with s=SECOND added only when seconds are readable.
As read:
h=7 m=30 s=54
